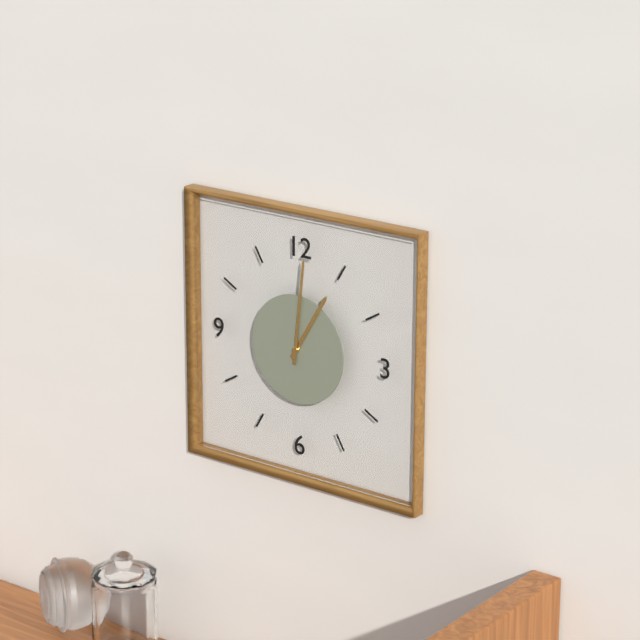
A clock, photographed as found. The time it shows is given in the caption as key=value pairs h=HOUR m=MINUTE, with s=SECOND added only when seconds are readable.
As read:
h=1 m=1
